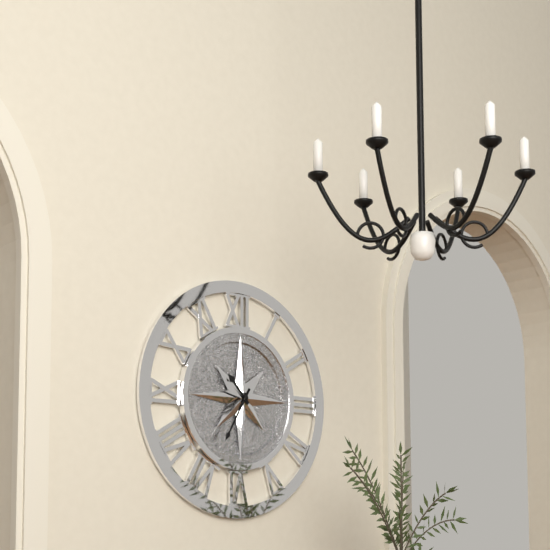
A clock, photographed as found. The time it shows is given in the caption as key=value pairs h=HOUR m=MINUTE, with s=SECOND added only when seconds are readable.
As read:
h=10 m=35
